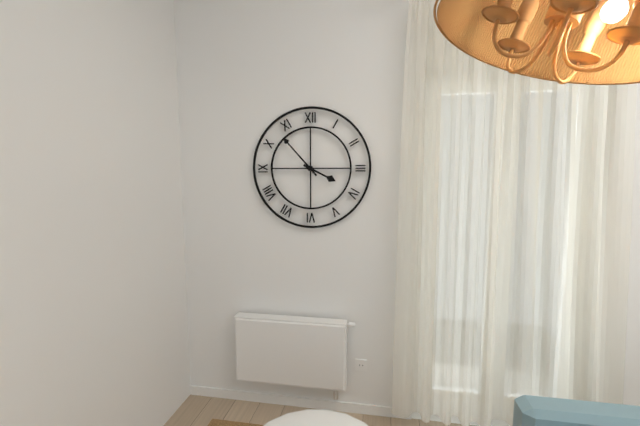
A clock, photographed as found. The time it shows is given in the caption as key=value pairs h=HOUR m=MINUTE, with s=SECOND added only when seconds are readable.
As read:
h=3 m=53
